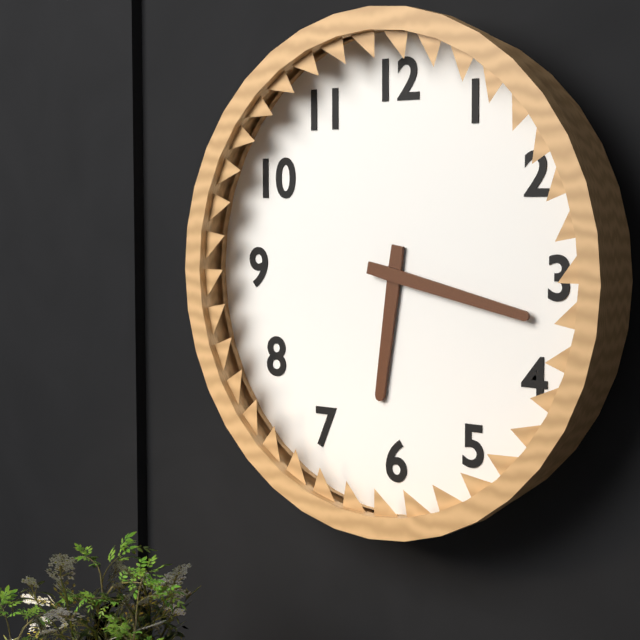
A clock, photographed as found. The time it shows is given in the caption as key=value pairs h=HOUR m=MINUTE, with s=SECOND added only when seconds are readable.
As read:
h=6 m=17
